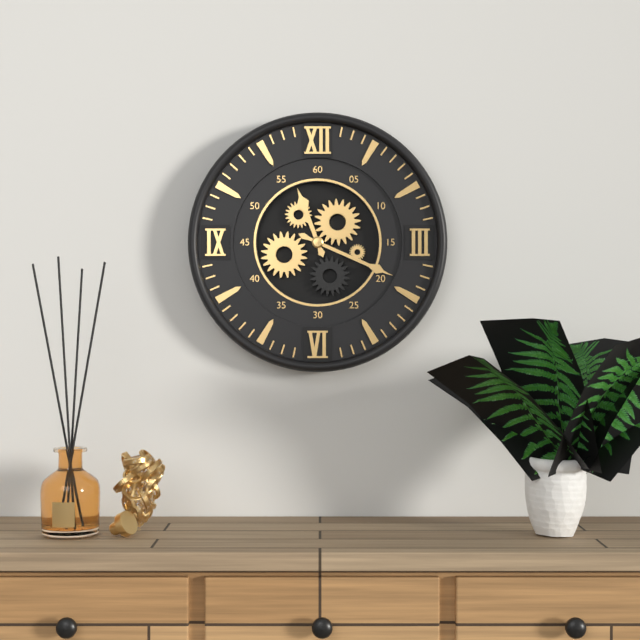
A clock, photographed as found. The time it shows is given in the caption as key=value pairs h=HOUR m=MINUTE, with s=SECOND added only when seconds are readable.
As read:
h=11 m=19
